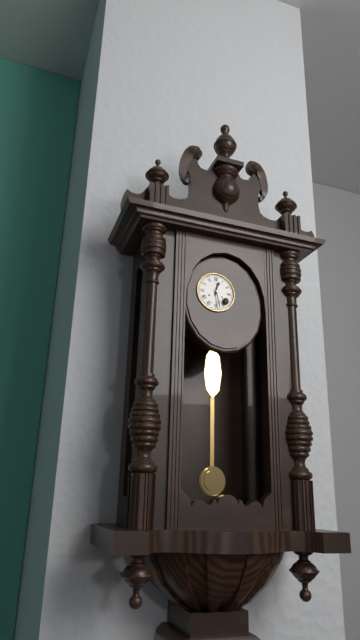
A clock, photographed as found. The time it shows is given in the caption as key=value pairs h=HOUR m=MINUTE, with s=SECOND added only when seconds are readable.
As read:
h=12 m=28
